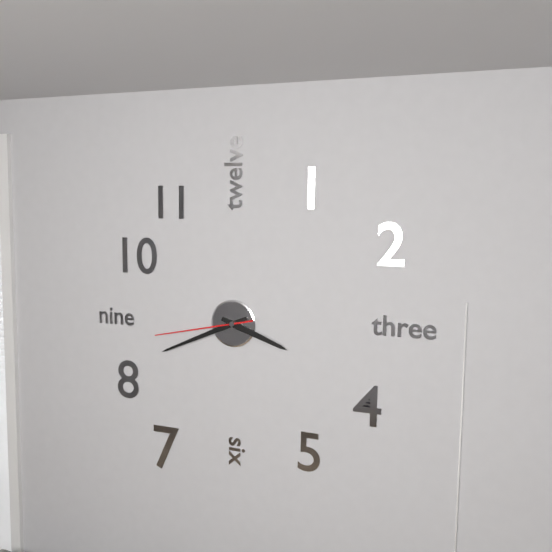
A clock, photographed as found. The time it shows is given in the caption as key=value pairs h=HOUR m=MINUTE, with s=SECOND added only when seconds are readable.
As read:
h=3 m=41 s=43
